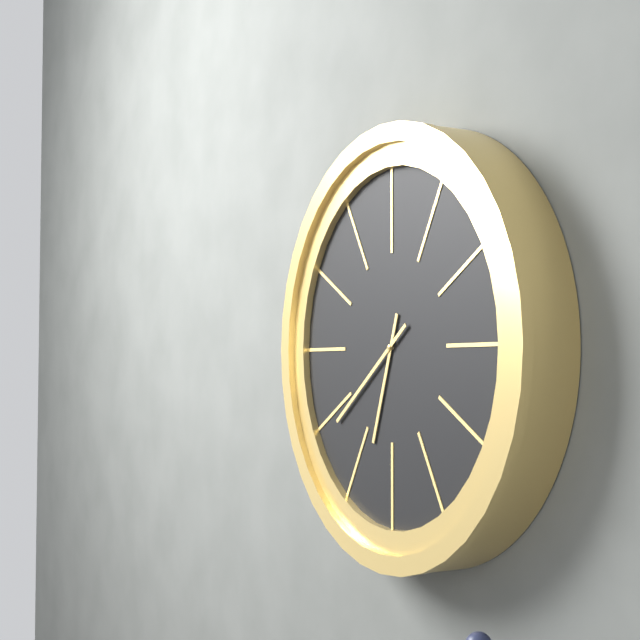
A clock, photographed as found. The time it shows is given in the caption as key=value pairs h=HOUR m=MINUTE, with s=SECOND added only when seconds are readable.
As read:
h=6 m=39
